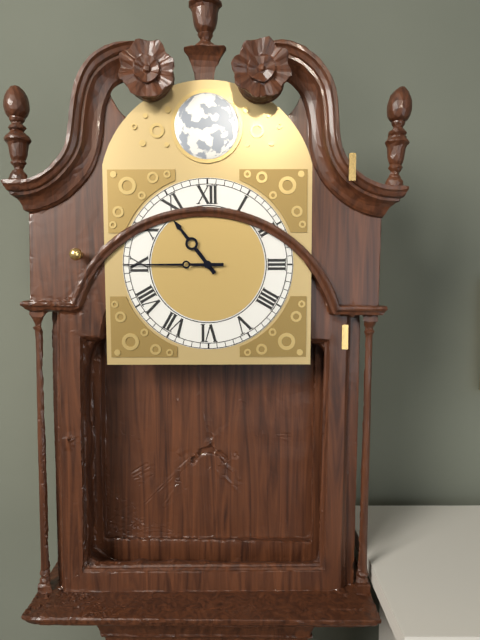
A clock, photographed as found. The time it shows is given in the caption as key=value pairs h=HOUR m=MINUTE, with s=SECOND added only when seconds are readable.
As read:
h=10 m=45
